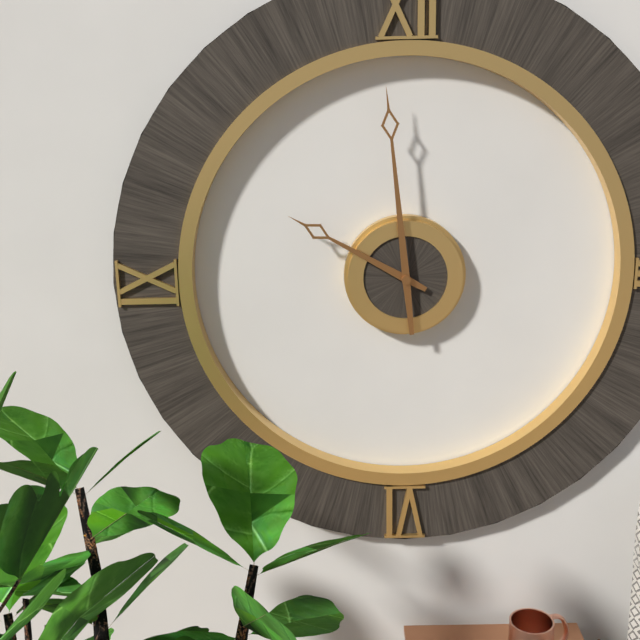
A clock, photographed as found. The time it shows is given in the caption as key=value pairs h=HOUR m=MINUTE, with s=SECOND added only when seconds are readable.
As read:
h=9 m=59
